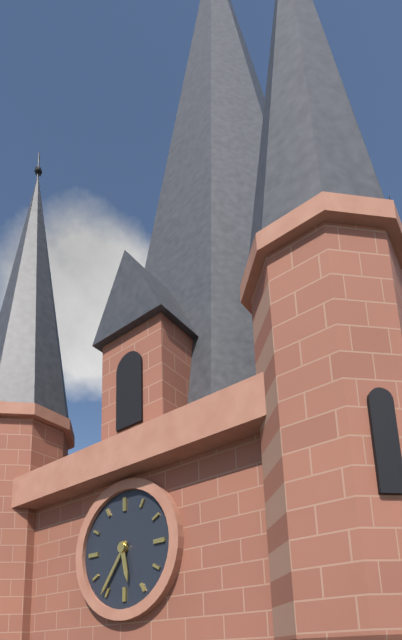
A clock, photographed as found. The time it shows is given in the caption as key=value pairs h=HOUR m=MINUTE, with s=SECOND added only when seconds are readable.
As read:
h=5 m=36
